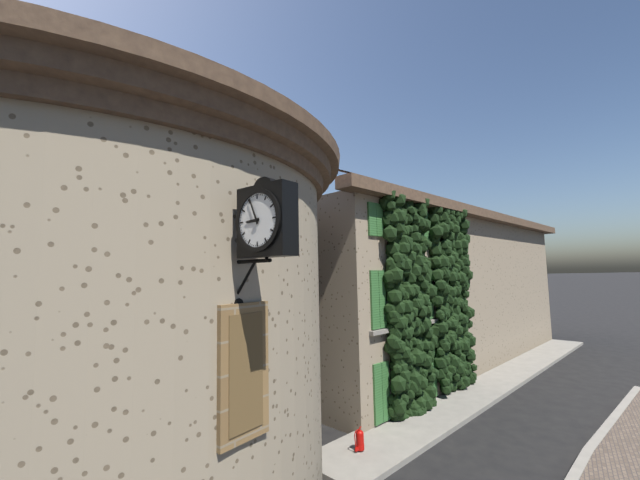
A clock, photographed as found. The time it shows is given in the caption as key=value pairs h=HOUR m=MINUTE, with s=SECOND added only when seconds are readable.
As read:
h=8 m=56
